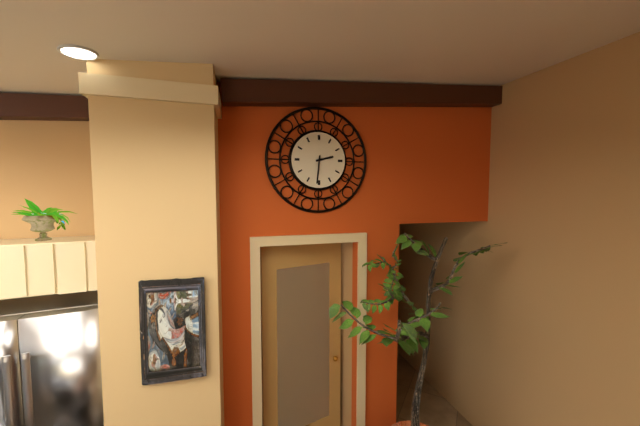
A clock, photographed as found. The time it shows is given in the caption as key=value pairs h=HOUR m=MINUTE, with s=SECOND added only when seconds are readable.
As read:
h=2 m=31
